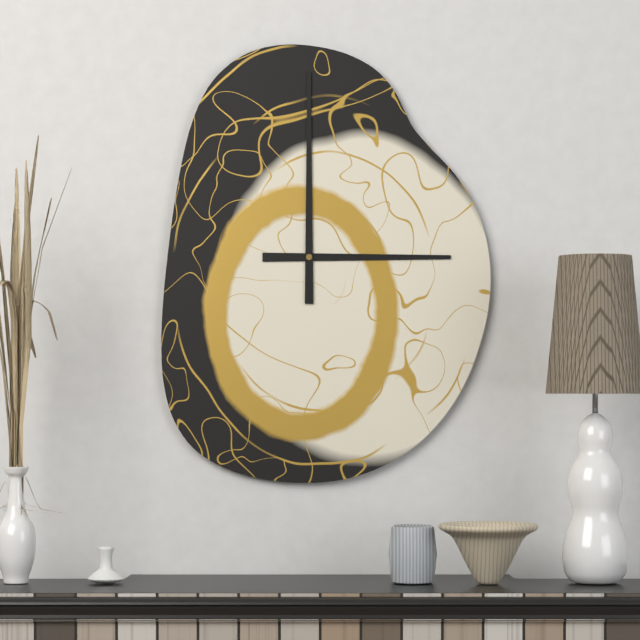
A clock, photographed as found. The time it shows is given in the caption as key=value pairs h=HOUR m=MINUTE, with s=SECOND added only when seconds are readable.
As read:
h=3 m=0
